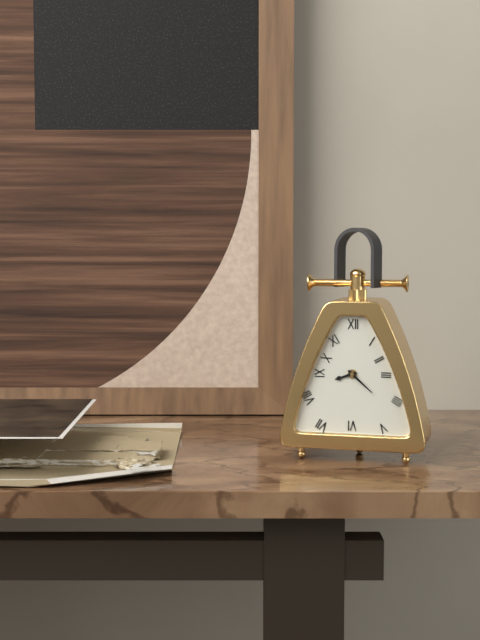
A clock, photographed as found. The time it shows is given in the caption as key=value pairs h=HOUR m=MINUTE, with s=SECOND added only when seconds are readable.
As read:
h=8 m=22
